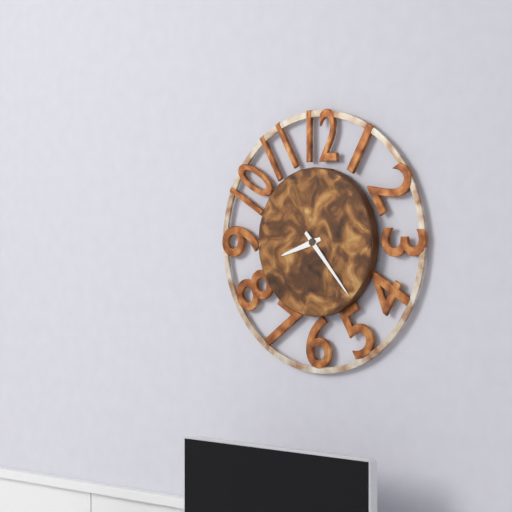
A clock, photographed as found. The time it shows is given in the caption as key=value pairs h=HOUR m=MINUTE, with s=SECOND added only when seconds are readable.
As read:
h=8 m=23
